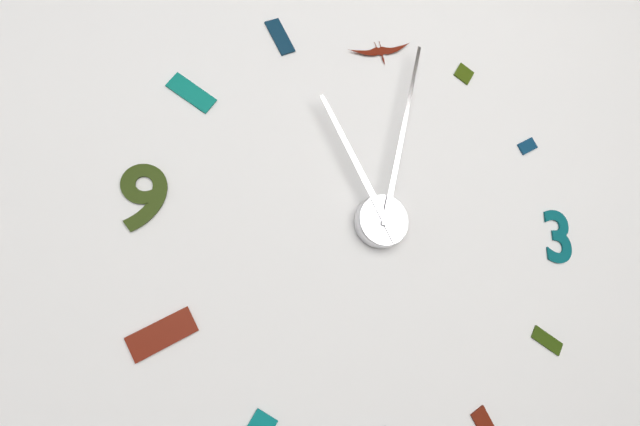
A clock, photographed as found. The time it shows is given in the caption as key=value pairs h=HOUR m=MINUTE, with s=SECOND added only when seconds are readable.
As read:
h=11 m=2
